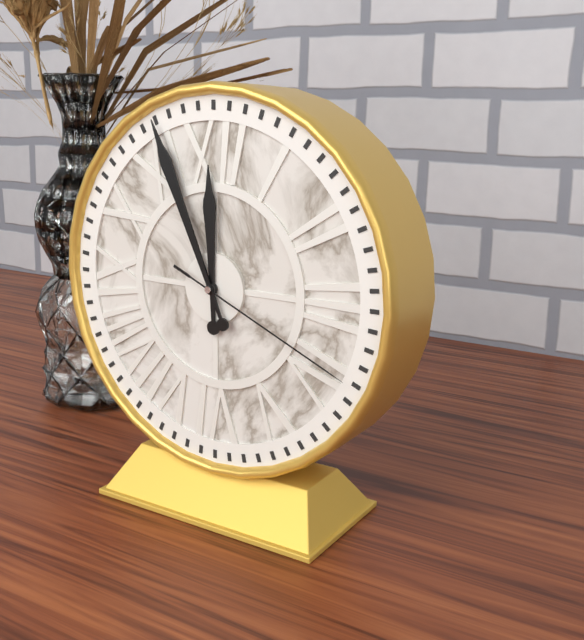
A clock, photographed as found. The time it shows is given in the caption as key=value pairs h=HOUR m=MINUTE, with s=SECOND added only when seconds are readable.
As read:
h=11 m=56 s=19
